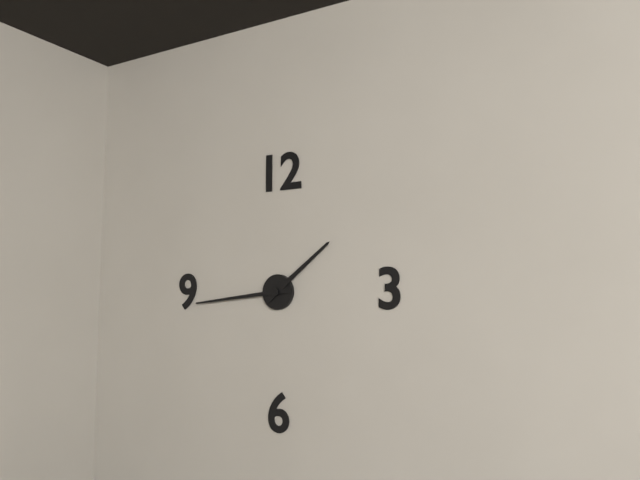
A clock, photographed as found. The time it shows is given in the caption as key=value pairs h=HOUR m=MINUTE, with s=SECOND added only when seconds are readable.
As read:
h=1 m=44
